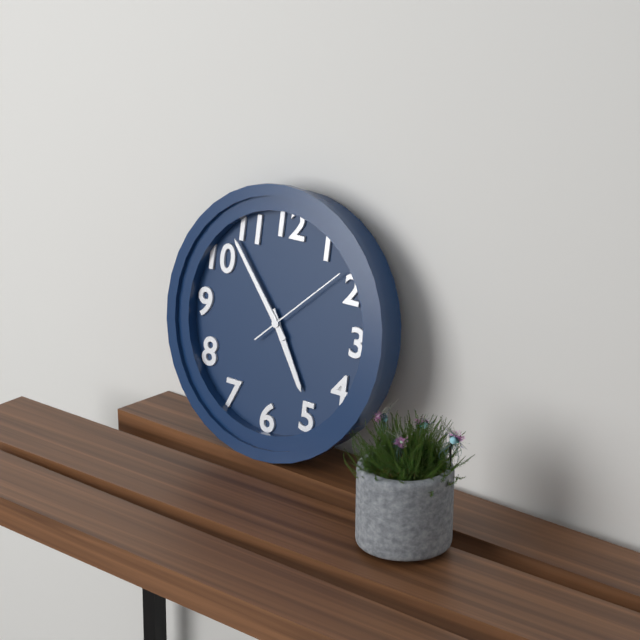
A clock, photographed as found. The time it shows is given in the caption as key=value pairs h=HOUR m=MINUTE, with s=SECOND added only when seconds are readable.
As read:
h=4 m=53 s=8
